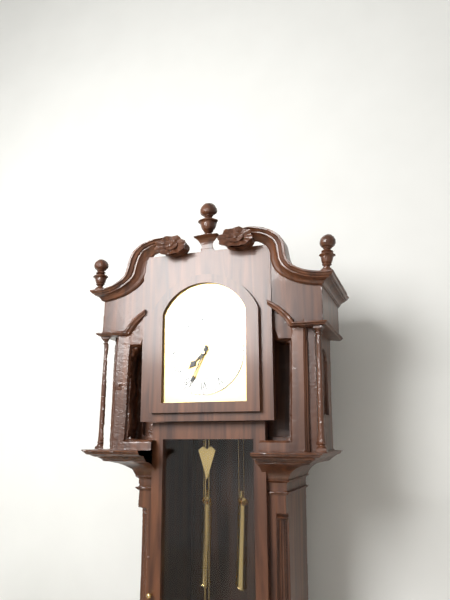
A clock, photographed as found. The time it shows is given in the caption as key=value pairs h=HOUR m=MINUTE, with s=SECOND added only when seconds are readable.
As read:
h=7 m=34
